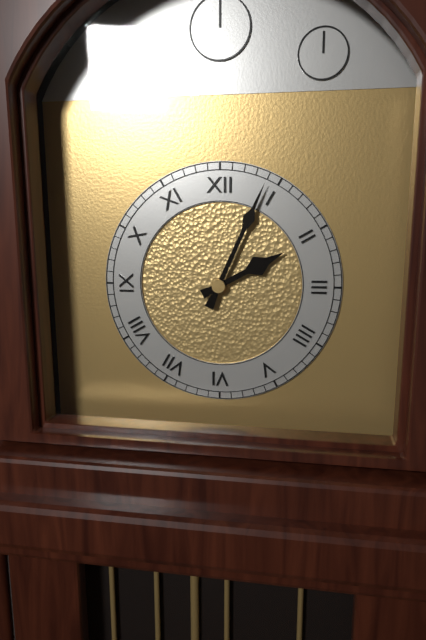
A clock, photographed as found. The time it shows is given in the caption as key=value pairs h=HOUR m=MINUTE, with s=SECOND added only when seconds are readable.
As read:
h=2 m=4
